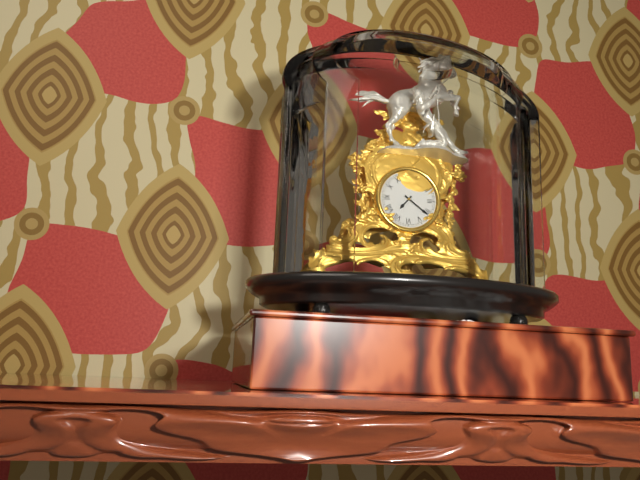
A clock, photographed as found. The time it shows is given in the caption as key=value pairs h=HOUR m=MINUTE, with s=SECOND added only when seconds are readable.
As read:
h=7 m=21
